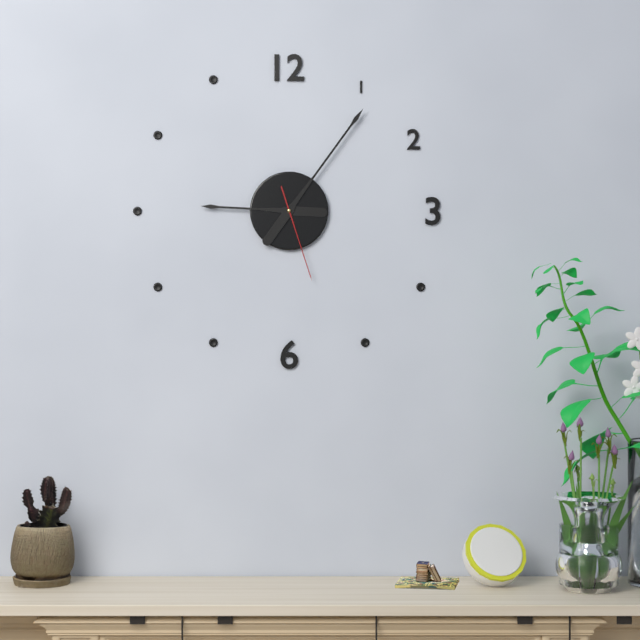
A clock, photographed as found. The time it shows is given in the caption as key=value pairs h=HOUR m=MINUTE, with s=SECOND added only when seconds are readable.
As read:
h=9 m=6 s=27
